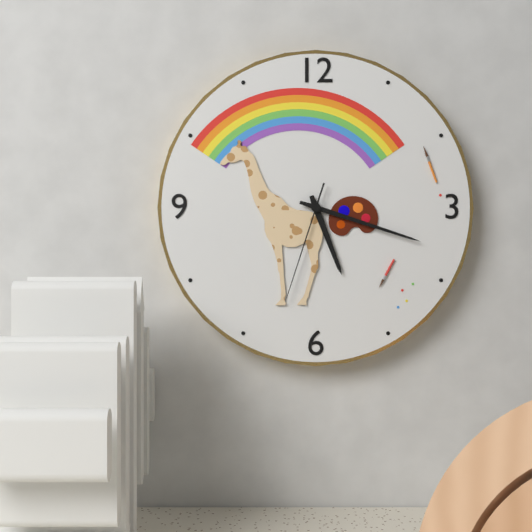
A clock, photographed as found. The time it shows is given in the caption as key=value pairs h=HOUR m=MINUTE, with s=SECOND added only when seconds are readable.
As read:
h=5 m=18 s=33
